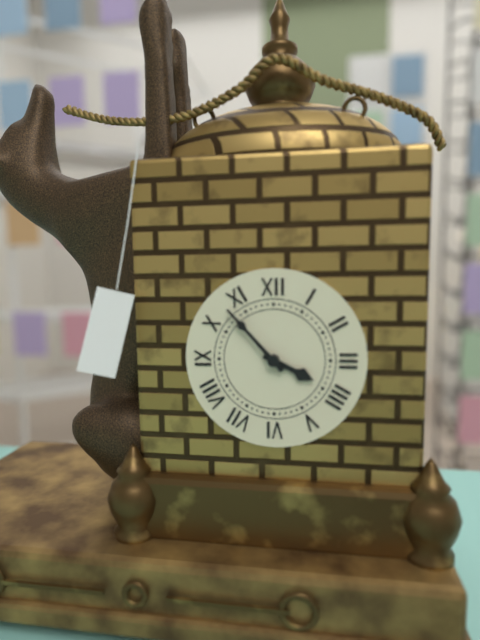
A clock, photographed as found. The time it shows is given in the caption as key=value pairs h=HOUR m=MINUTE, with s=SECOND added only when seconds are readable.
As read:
h=3 m=53
